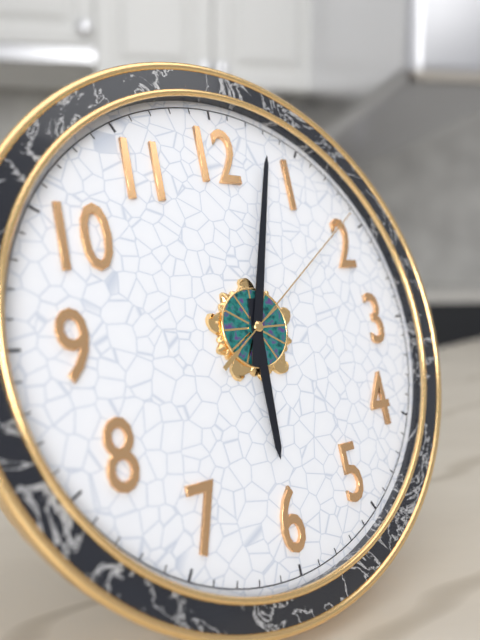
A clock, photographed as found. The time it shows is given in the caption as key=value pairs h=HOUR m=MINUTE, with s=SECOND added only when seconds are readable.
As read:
h=6 m=3 s=9
